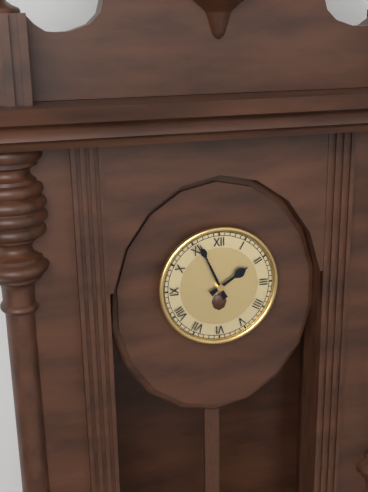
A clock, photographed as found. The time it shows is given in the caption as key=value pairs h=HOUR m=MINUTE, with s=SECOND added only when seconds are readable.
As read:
h=1 m=56
